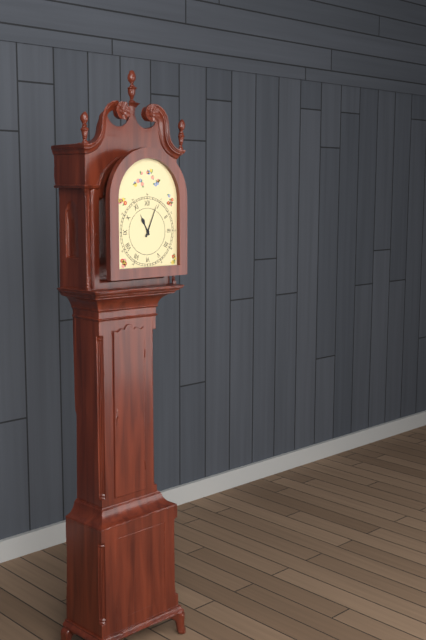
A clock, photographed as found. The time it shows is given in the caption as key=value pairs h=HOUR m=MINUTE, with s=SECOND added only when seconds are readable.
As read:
h=11 m=4
